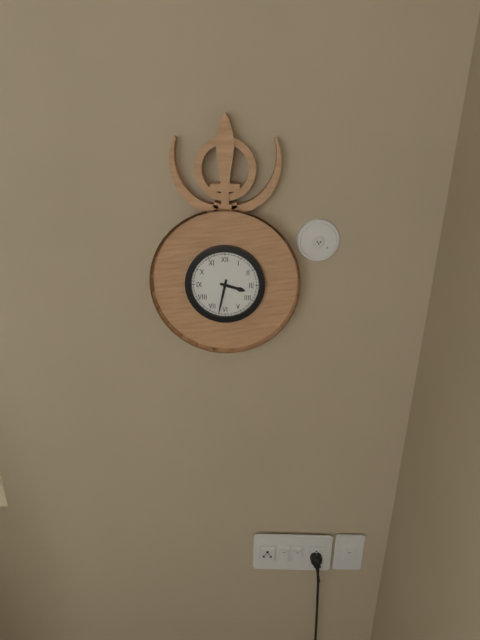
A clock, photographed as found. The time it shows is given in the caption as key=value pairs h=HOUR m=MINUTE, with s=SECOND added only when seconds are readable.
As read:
h=3 m=32
